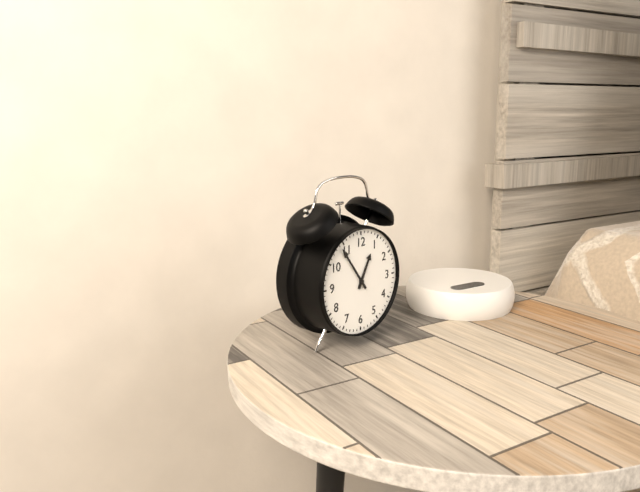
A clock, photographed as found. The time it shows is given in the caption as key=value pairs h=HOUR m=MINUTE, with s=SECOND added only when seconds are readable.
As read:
h=12 m=54
